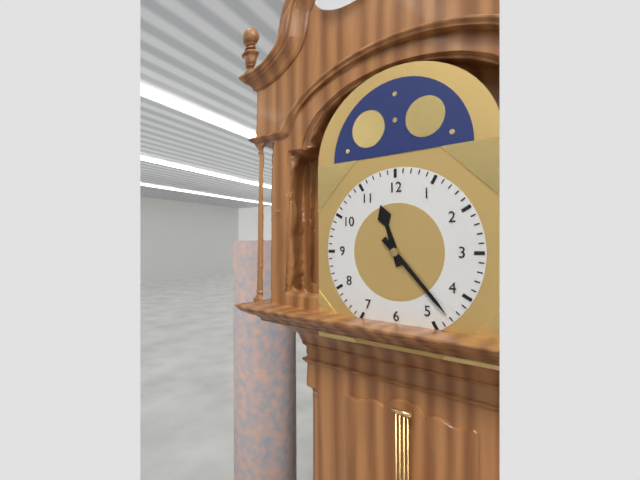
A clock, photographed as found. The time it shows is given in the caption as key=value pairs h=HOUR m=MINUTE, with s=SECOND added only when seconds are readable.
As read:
h=11 m=23
